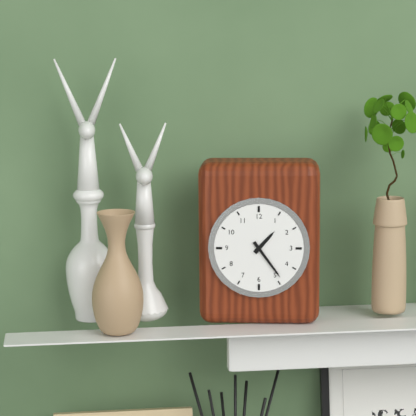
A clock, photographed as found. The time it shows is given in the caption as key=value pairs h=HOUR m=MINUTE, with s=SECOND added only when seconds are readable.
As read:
h=1 m=24
